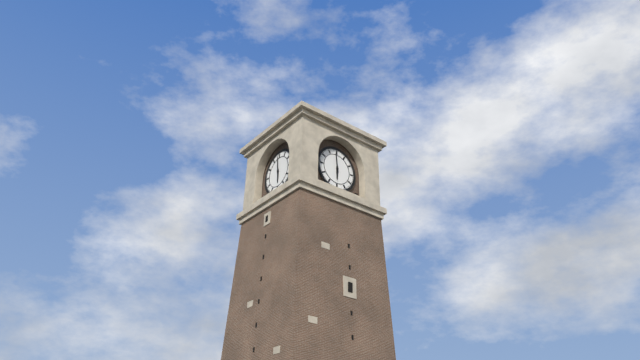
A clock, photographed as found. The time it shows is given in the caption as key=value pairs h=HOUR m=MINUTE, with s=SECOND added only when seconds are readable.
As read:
h=5 m=59
